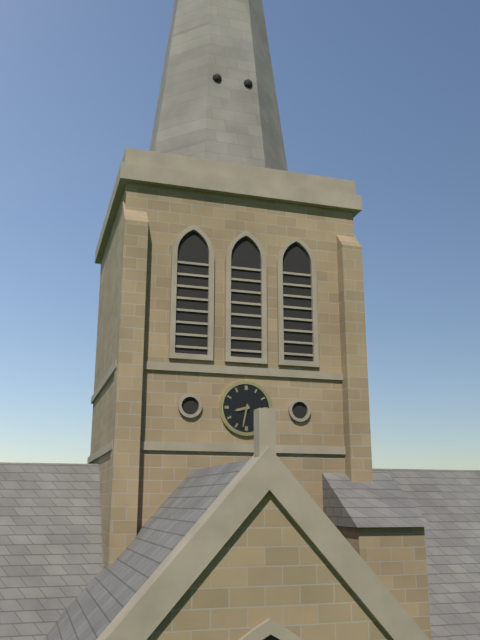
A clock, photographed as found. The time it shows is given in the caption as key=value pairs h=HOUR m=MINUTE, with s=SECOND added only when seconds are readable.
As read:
h=8 m=32
